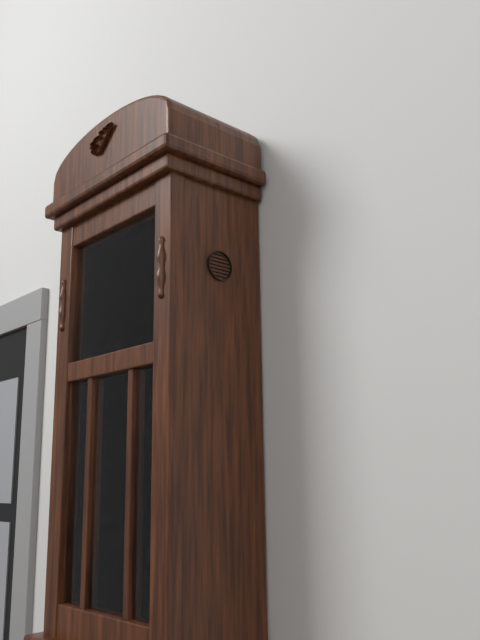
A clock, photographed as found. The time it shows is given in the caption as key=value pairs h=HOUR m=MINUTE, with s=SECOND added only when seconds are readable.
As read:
h=12 m=43
